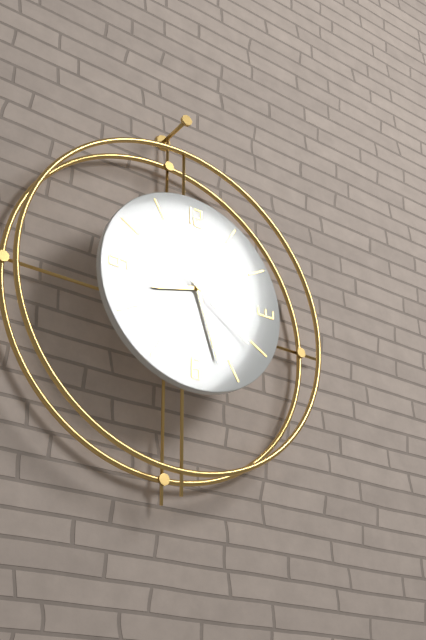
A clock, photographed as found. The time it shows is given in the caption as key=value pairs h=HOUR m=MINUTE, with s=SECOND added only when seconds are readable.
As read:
h=8 m=27 s=21
